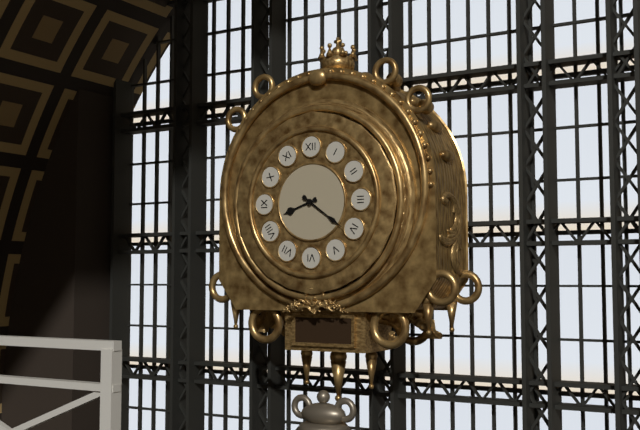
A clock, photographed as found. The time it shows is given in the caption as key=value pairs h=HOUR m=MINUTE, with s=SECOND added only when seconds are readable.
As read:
h=8 m=21
